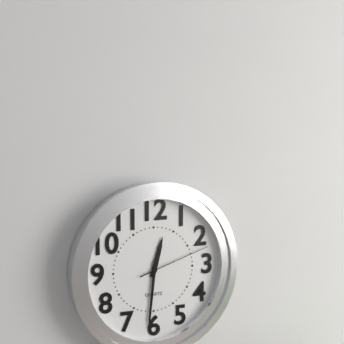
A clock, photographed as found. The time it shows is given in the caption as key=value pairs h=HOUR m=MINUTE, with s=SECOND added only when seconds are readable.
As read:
h=12 m=31 s=12
